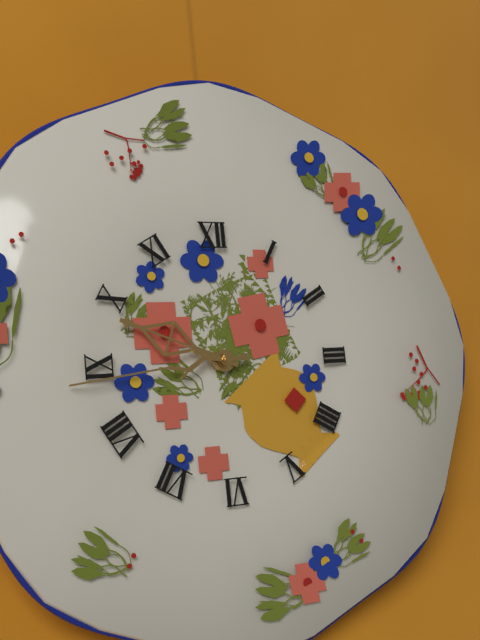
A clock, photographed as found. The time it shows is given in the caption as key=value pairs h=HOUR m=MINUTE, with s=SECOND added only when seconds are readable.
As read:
h=9 m=44
